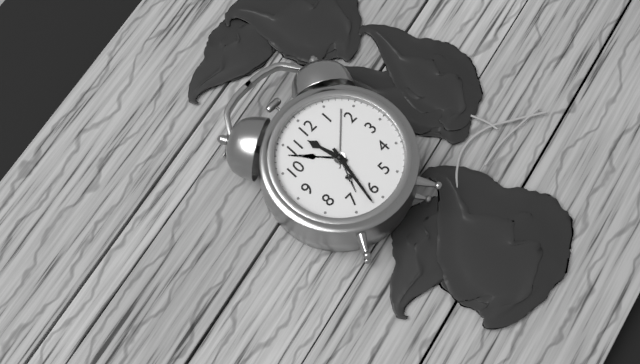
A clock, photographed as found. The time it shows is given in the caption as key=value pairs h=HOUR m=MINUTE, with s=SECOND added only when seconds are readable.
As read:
h=11 m=32
